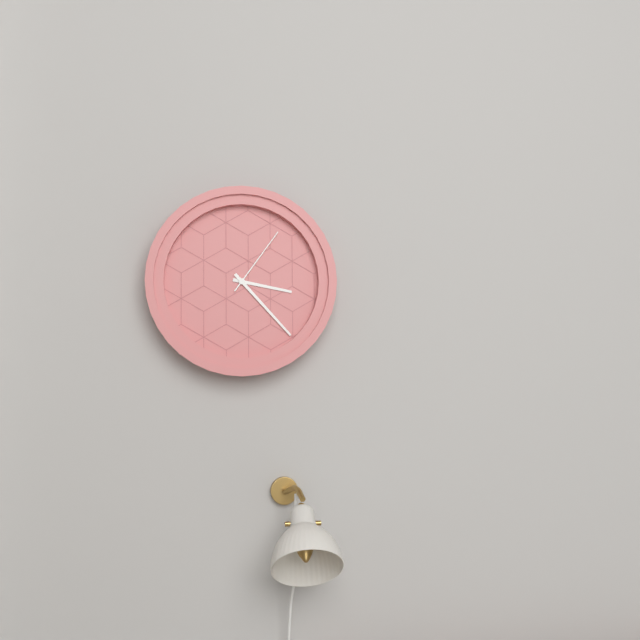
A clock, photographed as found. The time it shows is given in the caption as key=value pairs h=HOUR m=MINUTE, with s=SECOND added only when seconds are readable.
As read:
h=3 m=23 s=6
